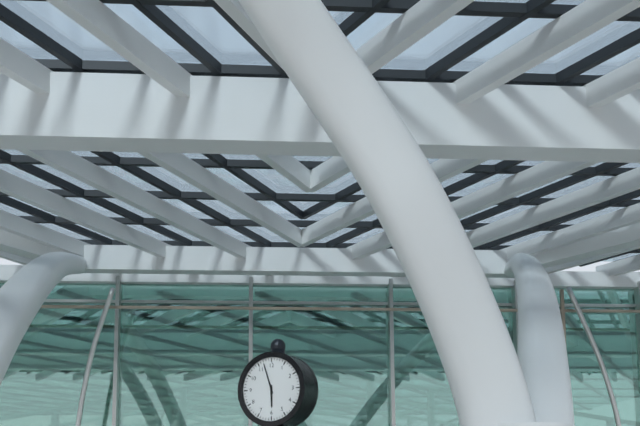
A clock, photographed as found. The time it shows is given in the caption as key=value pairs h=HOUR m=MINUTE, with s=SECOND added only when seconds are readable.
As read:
h=5 m=57
